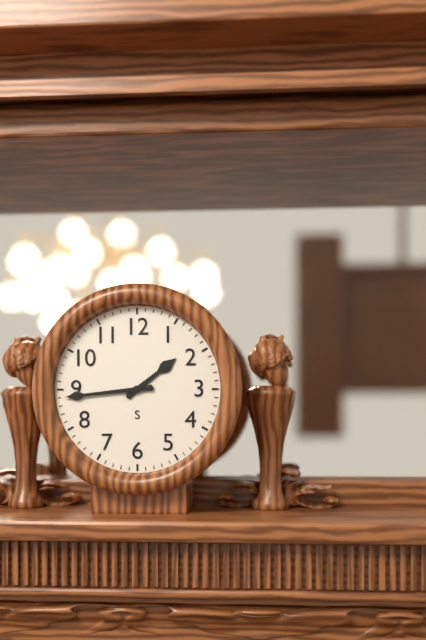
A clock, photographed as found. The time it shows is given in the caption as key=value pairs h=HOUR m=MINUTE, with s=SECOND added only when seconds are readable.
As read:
h=1 m=44
